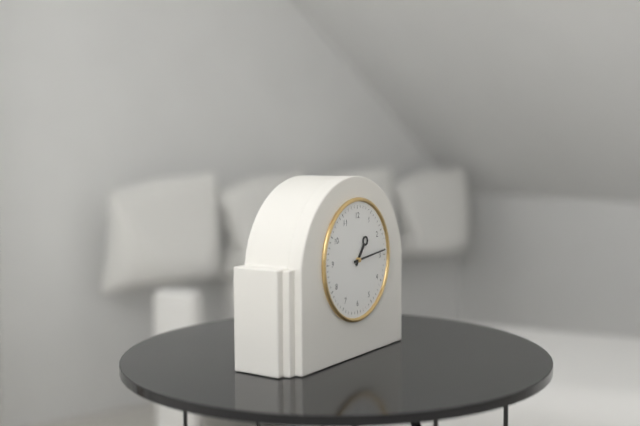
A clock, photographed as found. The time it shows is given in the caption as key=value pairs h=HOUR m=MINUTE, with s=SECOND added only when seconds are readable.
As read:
h=1 m=14
